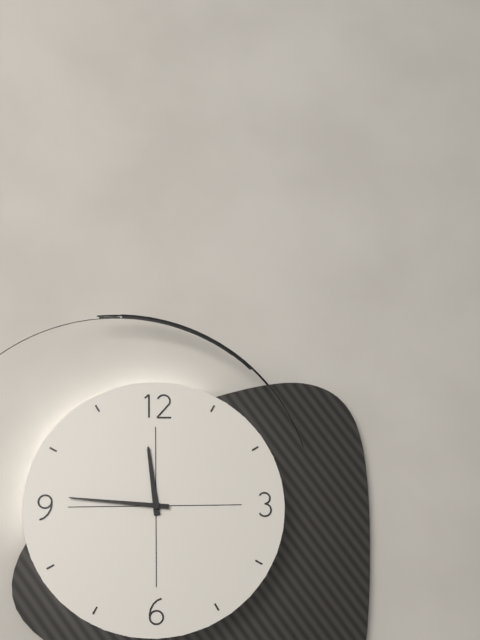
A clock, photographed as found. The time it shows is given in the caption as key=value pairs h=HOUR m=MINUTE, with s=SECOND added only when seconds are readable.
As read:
h=11 m=46
